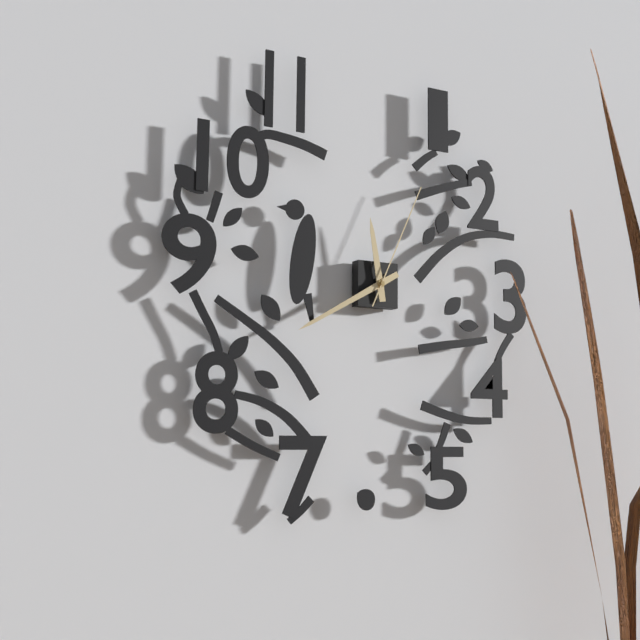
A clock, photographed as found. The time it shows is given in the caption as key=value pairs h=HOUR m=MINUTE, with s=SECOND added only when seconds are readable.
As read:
h=11 m=40 s=4
